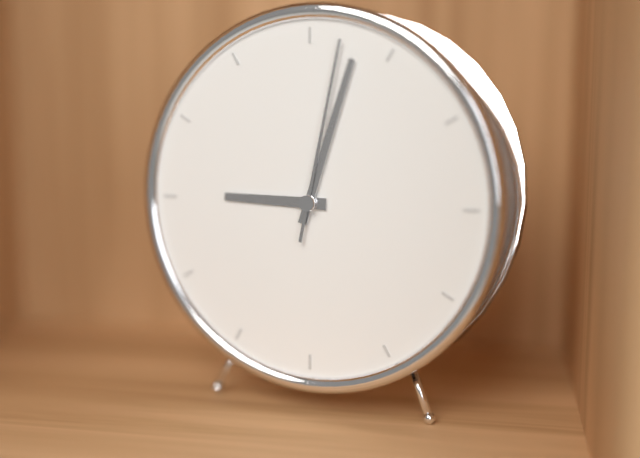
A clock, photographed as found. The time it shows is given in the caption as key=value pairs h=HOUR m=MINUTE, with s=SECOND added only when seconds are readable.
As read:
h=9 m=3 s=2
